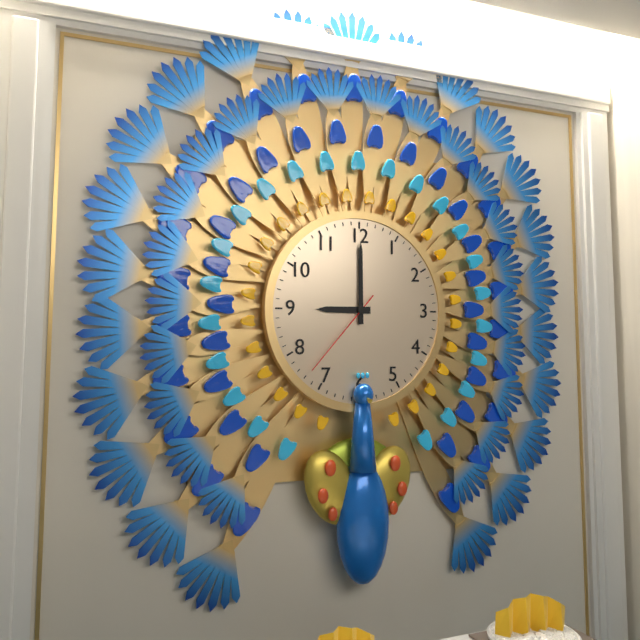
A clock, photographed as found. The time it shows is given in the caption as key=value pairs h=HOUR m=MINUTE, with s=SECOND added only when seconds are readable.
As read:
h=9 m=0 s=37
